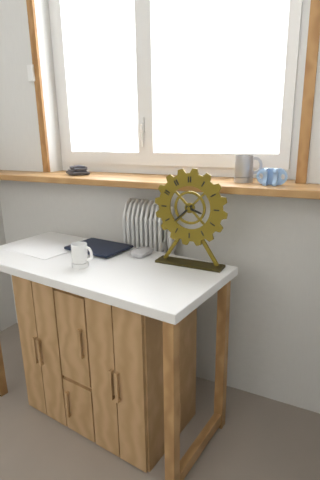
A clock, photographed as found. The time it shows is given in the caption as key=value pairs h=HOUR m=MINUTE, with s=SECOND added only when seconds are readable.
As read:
h=3 m=38
